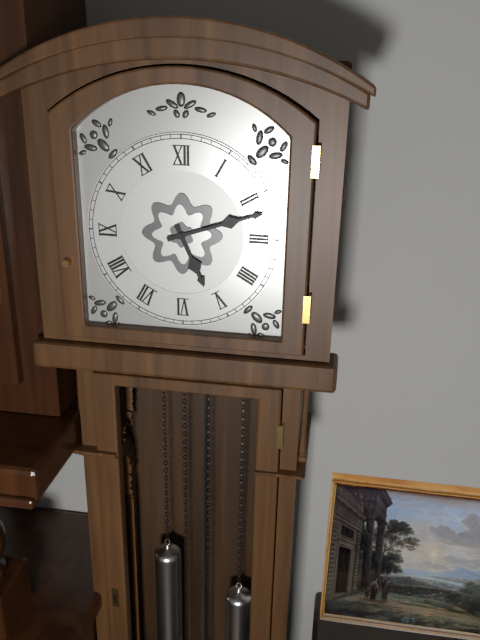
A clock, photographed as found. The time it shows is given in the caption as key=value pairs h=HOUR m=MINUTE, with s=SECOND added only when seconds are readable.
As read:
h=5 m=12
